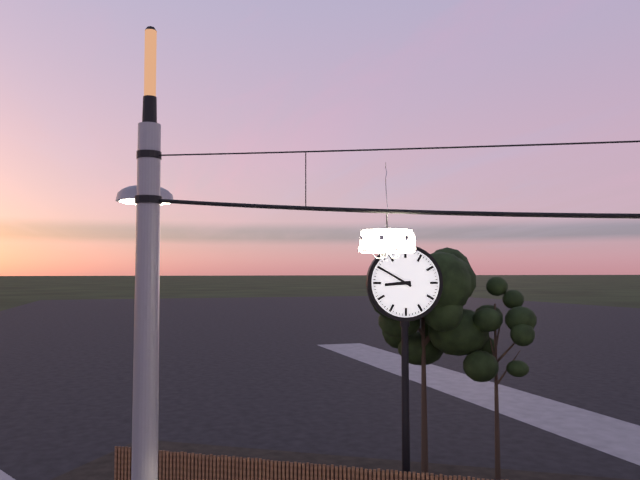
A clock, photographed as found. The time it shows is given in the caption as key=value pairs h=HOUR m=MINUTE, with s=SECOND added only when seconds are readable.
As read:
h=8 m=50
